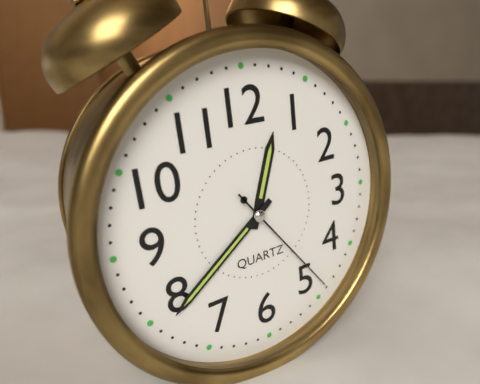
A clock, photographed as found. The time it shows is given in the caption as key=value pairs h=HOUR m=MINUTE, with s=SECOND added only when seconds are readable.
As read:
h=12 m=39 s=24
